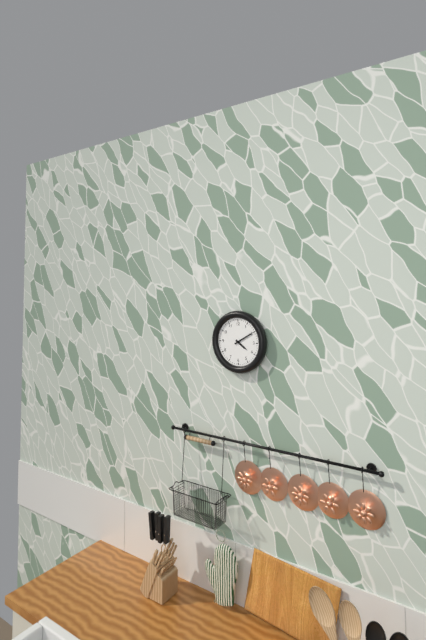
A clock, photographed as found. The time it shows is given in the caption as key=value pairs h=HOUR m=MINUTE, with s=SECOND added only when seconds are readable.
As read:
h=4 m=10
